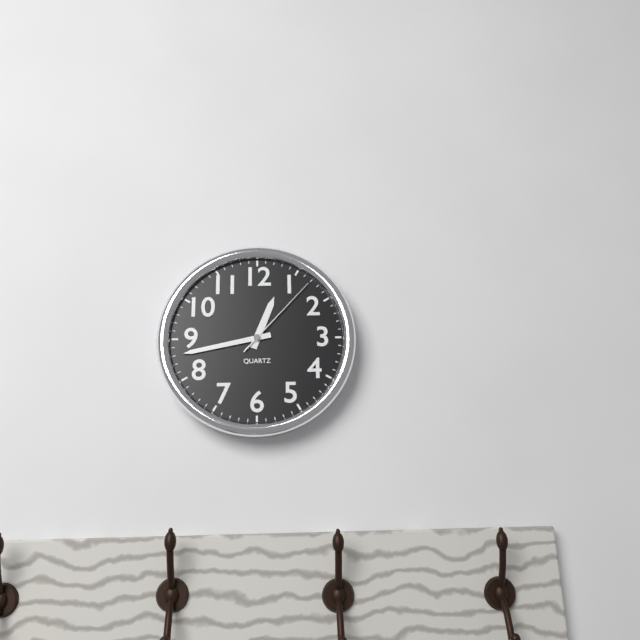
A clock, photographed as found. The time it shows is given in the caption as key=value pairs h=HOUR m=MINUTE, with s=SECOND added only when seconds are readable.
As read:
h=12 m=43 s=7
